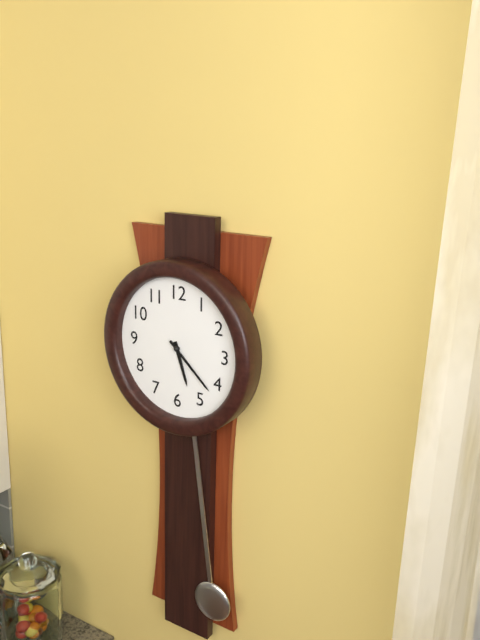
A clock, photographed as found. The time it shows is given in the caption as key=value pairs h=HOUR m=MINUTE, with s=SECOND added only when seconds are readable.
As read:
h=5 m=22
